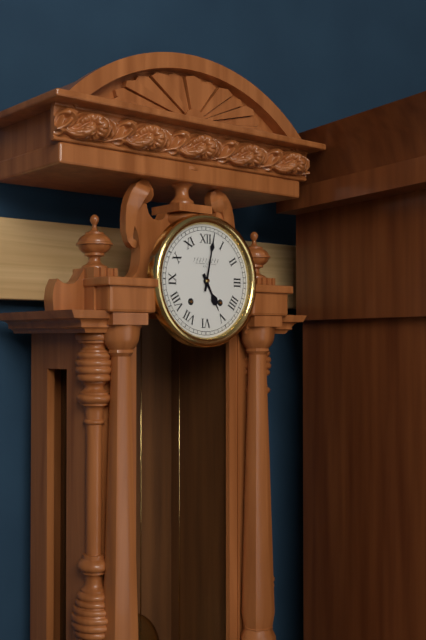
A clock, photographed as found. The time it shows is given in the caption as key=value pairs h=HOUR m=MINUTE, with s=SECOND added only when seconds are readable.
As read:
h=5 m=2
